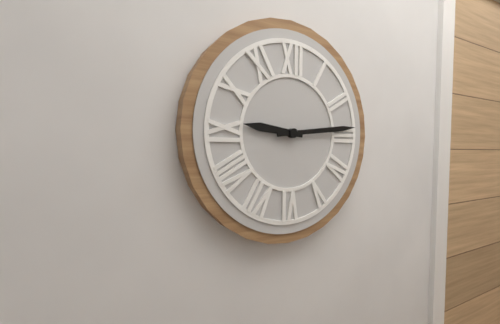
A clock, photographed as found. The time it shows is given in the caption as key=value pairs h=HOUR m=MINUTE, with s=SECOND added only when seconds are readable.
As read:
h=9 m=14
